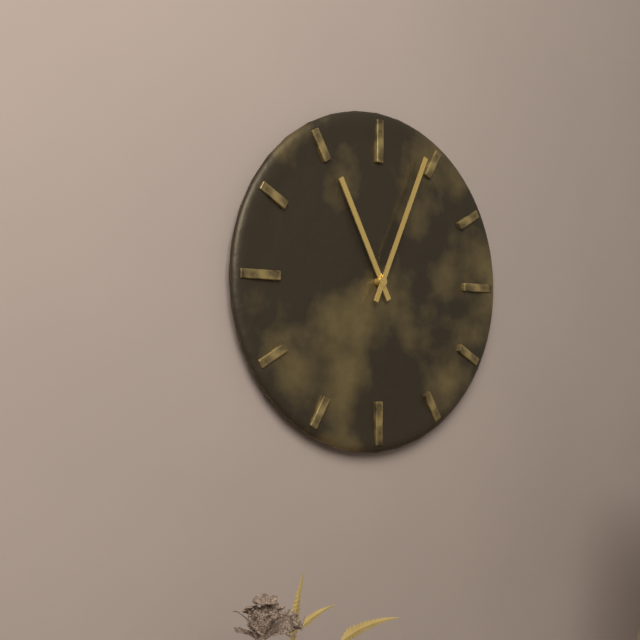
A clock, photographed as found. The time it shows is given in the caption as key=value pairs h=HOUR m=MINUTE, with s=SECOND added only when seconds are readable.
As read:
h=11 m=4
